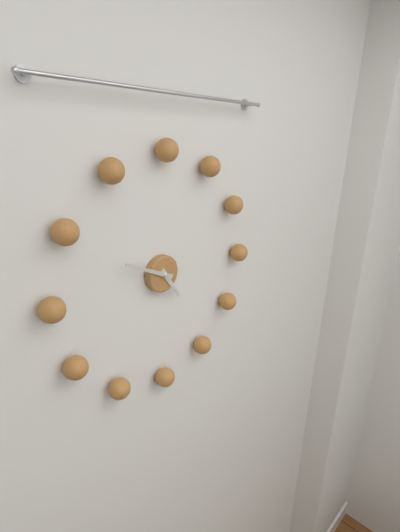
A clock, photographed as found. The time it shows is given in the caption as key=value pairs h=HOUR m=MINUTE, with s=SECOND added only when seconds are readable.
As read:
h=4 m=49
